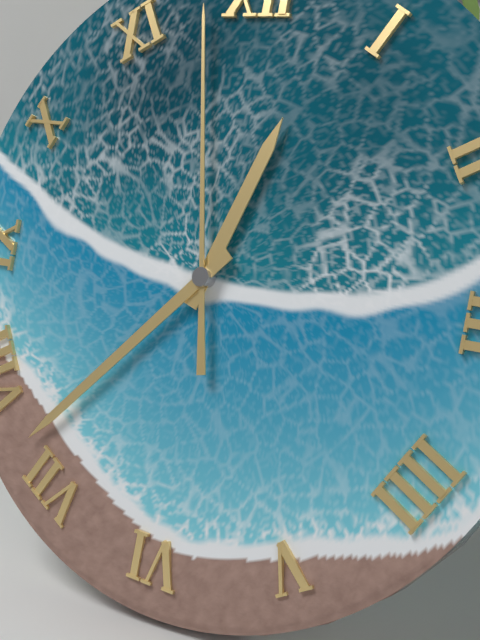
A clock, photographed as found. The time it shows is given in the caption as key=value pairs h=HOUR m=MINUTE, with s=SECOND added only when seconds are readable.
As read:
h=12 m=37 s=58
